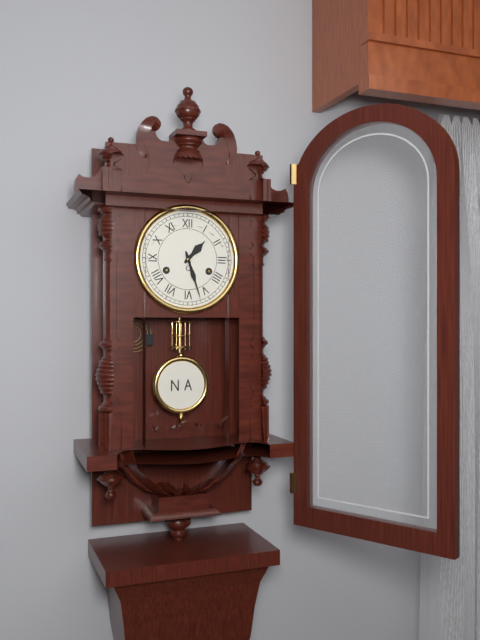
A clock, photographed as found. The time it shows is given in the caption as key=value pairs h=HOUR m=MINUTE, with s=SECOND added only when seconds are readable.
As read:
h=1 m=27
